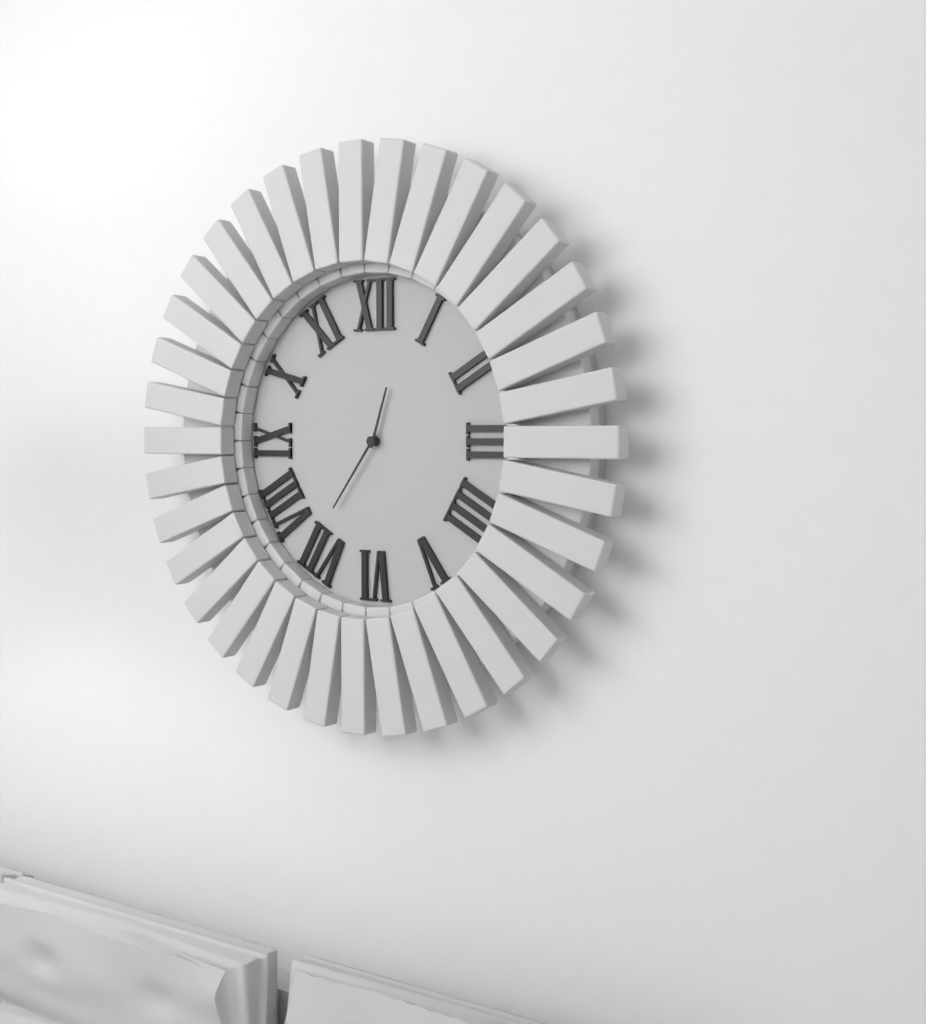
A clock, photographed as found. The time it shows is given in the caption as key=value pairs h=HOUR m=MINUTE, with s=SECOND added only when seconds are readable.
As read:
h=12 m=36
